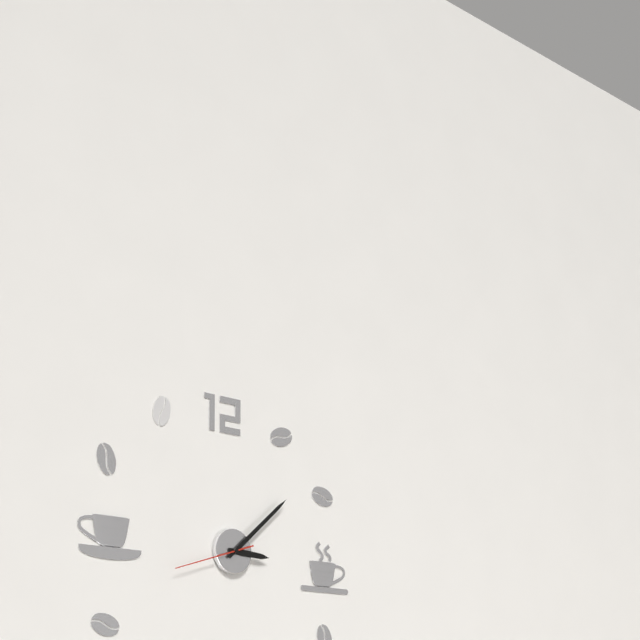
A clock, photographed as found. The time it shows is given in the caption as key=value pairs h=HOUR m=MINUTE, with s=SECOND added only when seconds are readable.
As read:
h=3 m=8 s=42
